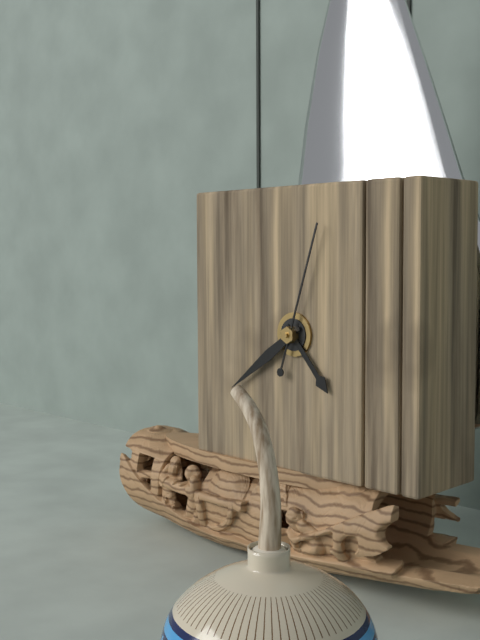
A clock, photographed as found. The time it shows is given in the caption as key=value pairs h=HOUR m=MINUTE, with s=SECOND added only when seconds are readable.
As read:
h=4 m=39 s=3
